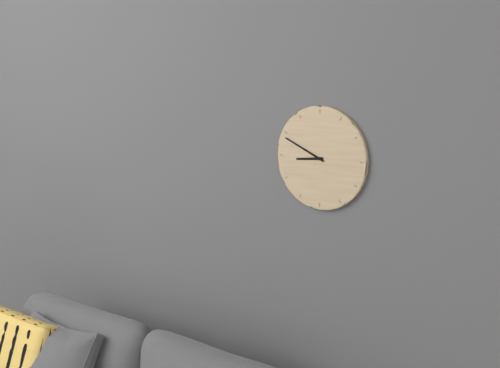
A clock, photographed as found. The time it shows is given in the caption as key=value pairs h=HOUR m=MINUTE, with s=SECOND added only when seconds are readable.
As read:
h=8 m=49
